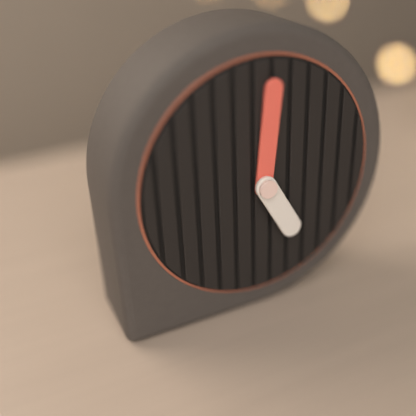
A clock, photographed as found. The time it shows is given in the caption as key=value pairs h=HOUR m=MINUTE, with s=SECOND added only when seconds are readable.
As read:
h=5 m=1
